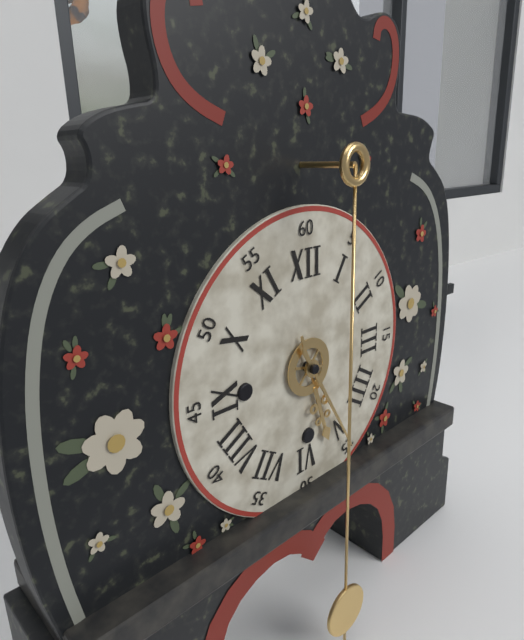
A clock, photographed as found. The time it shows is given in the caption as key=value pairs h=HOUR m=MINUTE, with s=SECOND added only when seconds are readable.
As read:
h=5 m=25
